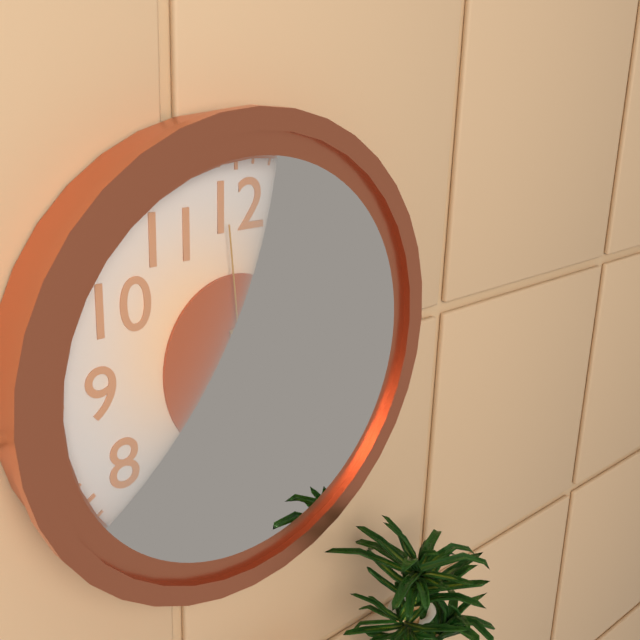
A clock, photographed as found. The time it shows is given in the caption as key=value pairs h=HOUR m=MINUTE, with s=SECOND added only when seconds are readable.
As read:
h=5 m=34 s=59
